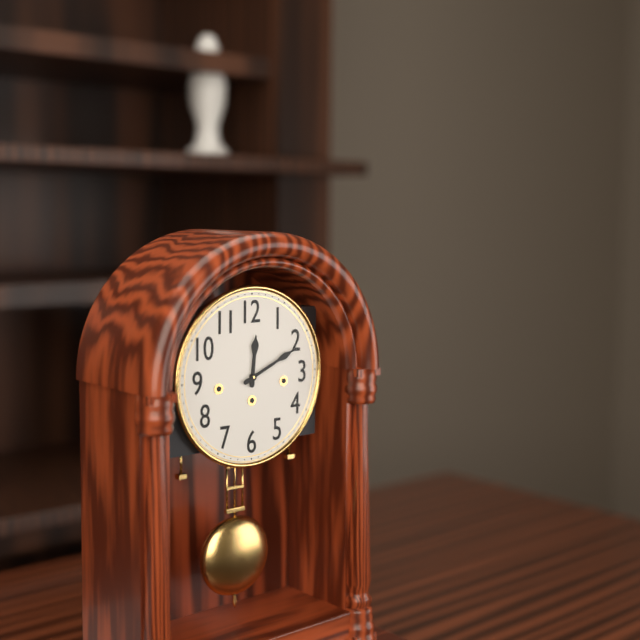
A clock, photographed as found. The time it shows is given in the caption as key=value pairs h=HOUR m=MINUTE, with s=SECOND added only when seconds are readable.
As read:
h=12 m=11
